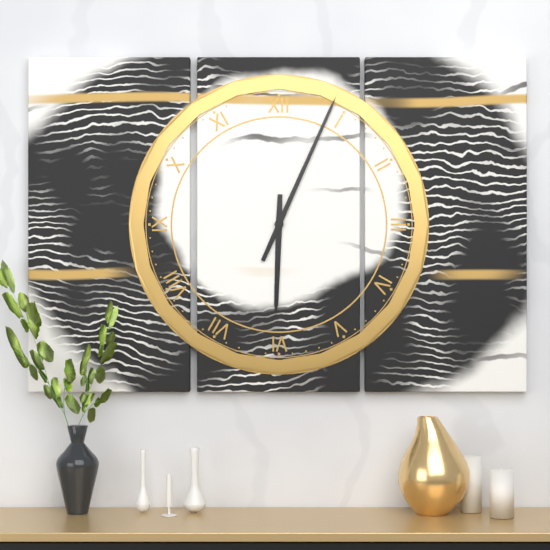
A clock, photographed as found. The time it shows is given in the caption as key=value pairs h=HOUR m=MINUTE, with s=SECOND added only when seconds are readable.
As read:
h=6 m=4
